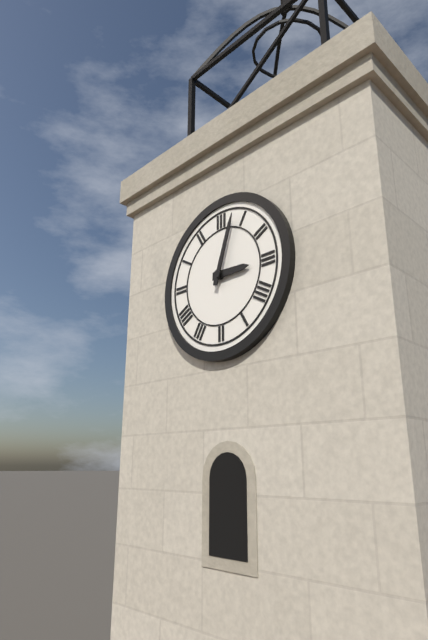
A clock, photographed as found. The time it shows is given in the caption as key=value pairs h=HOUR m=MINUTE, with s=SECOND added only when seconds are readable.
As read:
h=3 m=3
